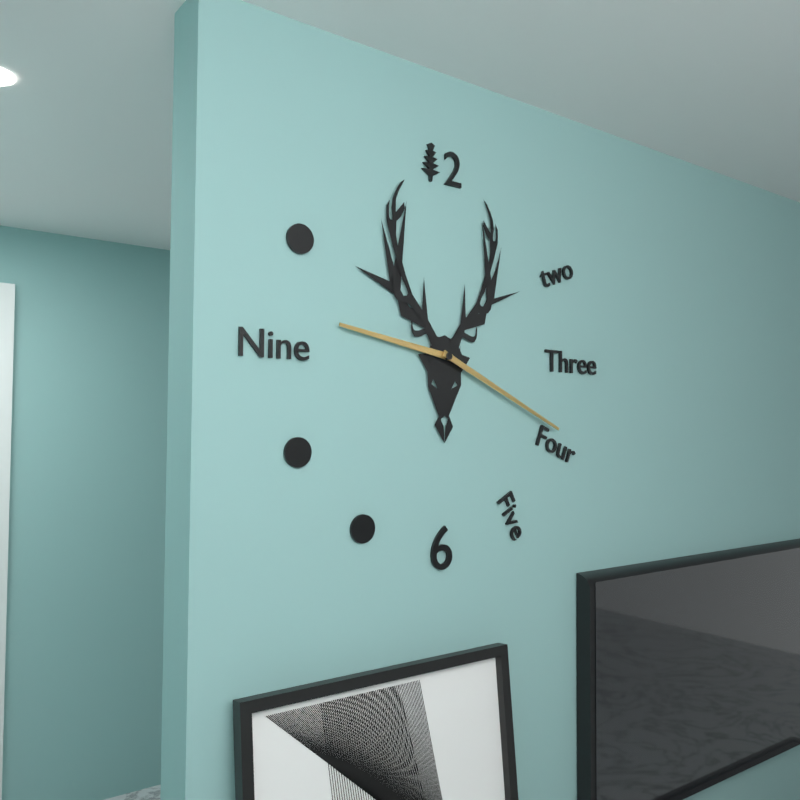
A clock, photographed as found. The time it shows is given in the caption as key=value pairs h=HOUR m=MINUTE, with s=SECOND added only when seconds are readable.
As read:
h=9 m=19
